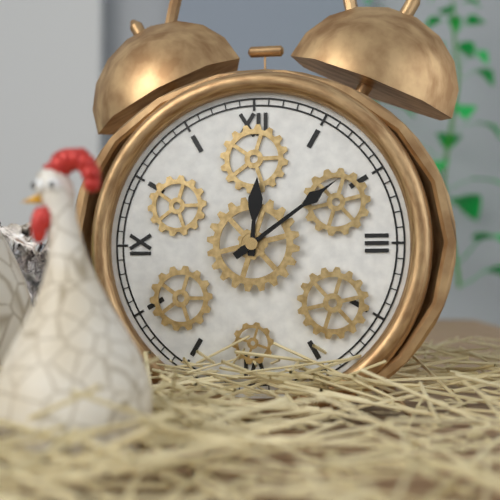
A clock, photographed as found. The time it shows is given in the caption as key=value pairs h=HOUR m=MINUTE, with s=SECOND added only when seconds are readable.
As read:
h=12 m=9
